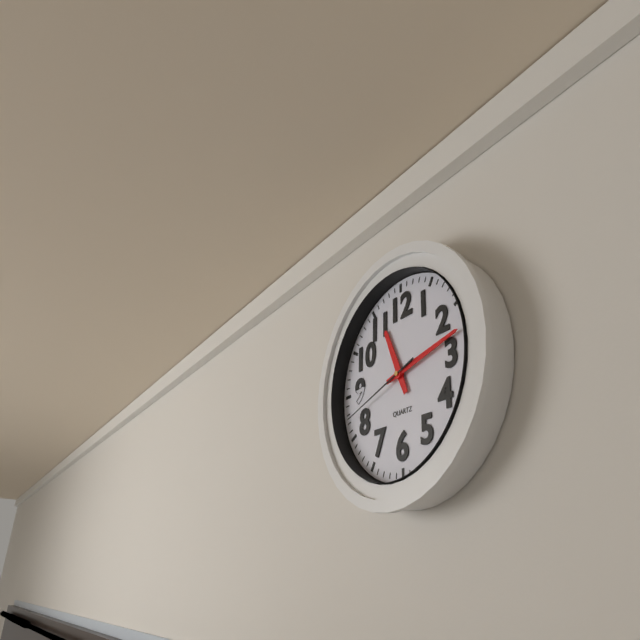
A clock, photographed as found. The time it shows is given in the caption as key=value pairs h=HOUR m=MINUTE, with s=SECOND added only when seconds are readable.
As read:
h=11 m=13 s=42
